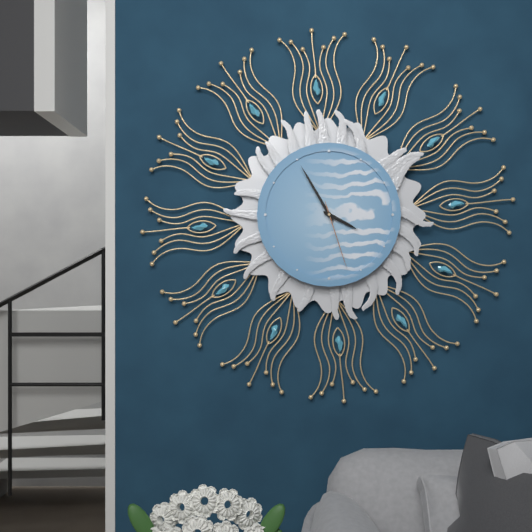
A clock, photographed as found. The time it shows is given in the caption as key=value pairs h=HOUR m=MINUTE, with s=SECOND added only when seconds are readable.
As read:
h=3 m=55 s=27
